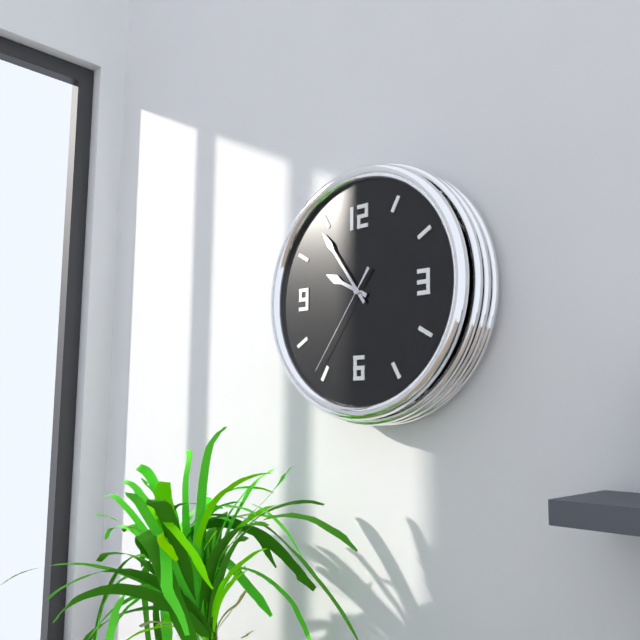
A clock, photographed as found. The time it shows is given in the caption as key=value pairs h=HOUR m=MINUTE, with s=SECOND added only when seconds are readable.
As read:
h=9 m=54 s=36
